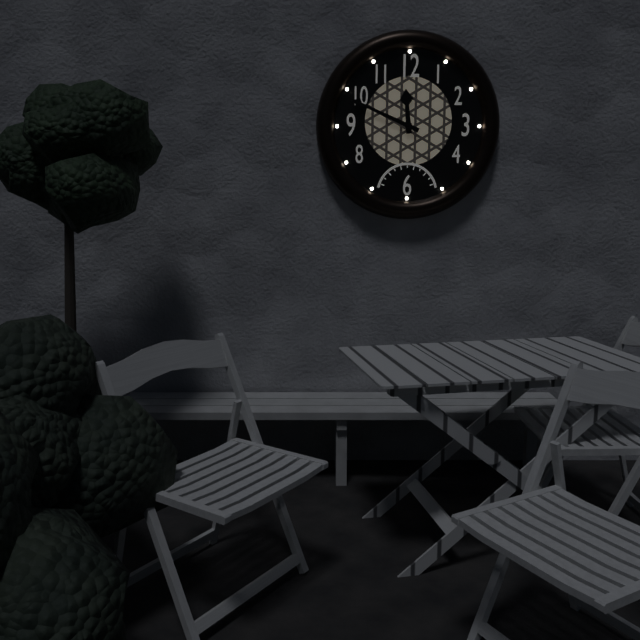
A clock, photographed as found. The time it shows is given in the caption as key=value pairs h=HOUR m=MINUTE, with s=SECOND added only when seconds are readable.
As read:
h=11 m=49
